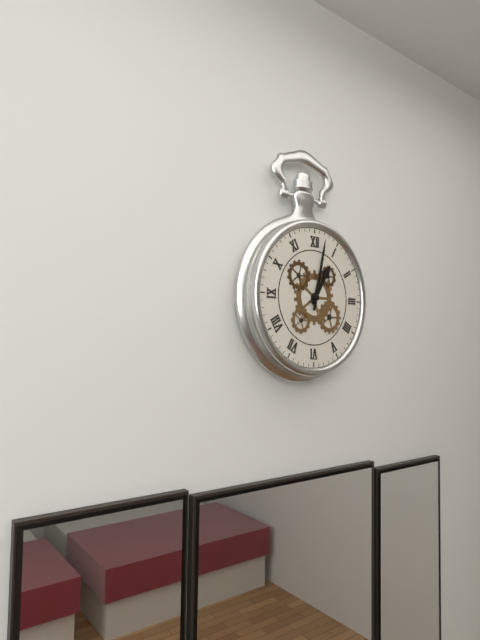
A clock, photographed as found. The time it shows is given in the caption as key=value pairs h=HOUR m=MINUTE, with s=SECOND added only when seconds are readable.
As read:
h=1 m=2
